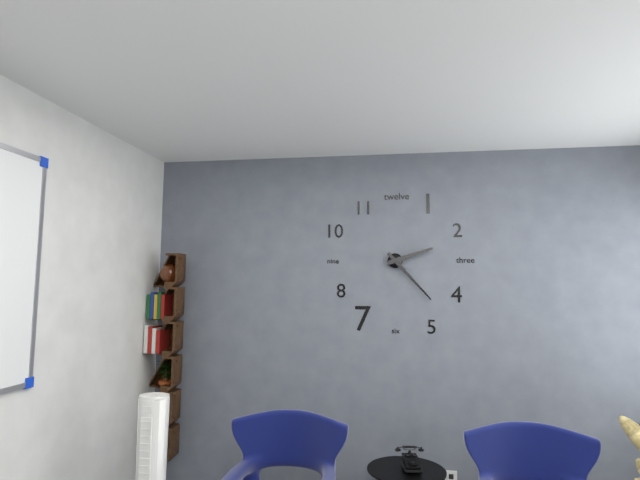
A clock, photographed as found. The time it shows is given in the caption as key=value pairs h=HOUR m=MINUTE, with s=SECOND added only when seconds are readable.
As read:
h=2 m=23
